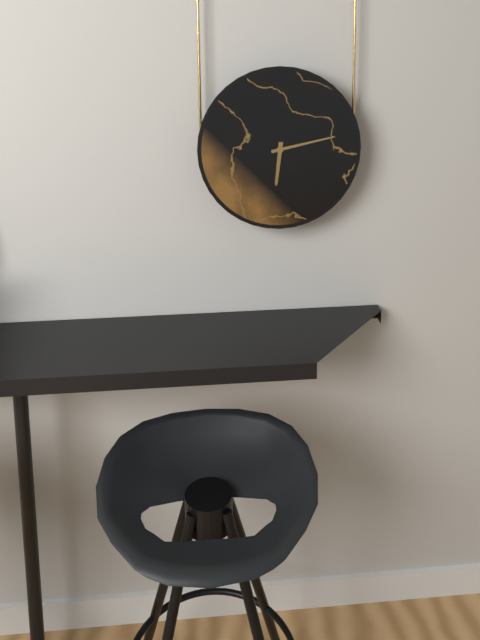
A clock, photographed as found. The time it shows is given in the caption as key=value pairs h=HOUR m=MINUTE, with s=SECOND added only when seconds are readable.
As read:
h=6 m=13
